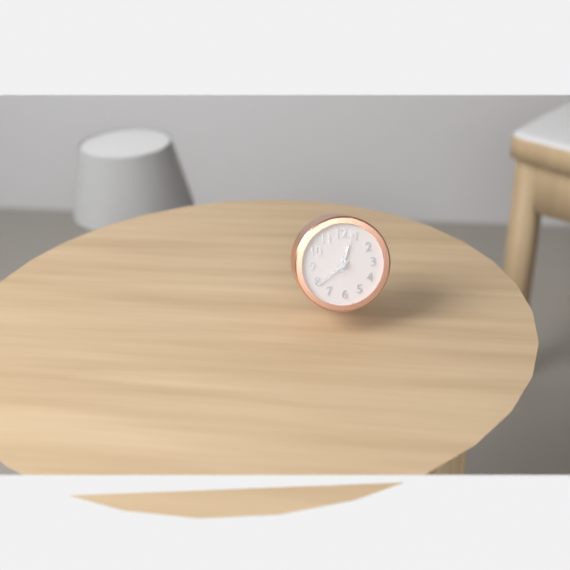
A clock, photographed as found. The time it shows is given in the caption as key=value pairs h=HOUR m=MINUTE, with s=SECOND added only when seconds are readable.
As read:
h=12 m=39
